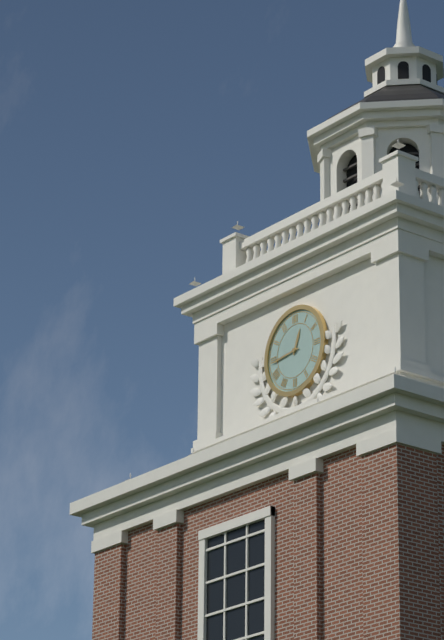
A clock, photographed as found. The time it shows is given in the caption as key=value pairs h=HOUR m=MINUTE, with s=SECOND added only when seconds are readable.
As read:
h=12 m=44
